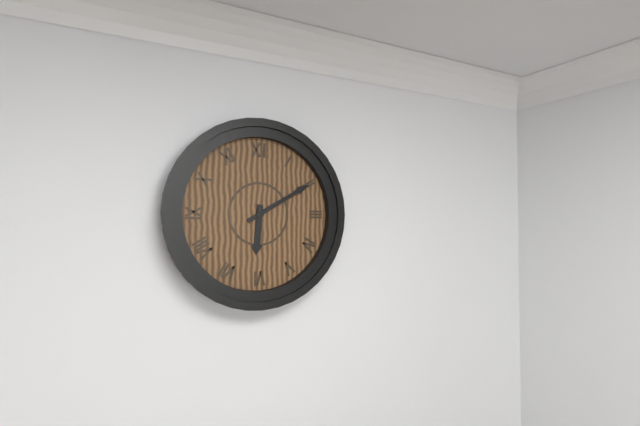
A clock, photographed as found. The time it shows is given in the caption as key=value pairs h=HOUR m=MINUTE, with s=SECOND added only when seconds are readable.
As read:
h=6 m=10
